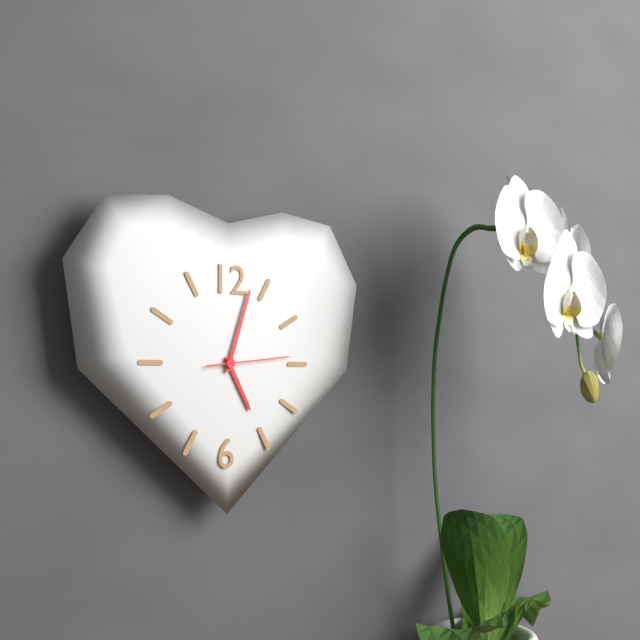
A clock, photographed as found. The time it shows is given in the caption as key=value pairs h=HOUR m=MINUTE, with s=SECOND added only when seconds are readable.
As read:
h=5 m=3 s=14
